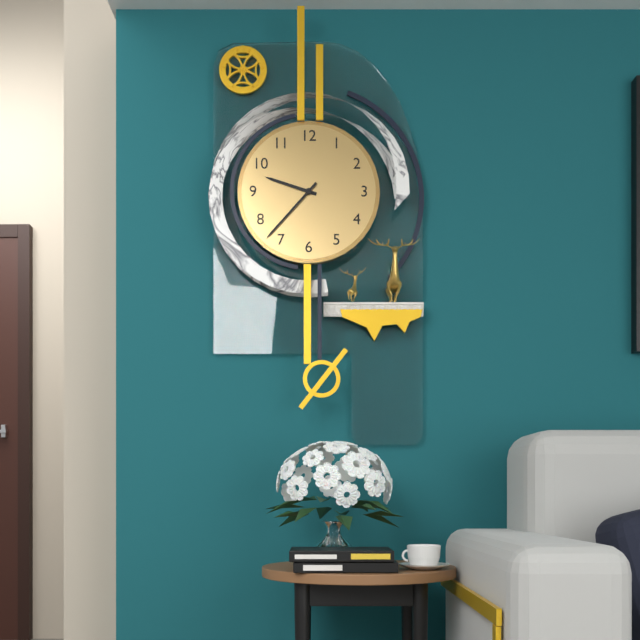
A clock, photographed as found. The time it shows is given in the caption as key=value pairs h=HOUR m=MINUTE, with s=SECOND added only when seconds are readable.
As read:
h=9 m=37
